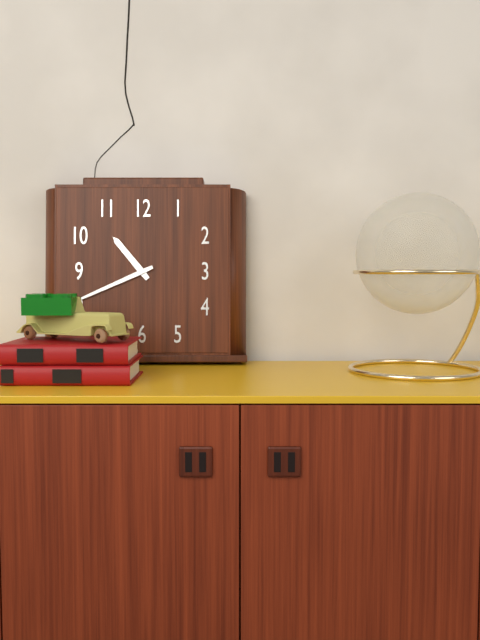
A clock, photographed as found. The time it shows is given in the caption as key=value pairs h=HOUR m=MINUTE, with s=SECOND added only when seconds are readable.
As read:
h=10 m=41
